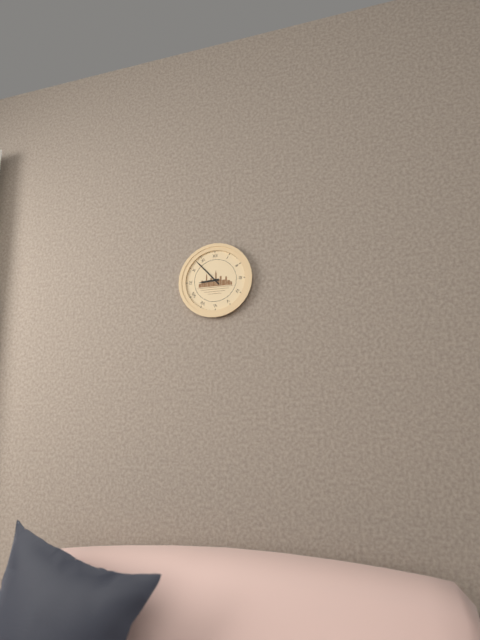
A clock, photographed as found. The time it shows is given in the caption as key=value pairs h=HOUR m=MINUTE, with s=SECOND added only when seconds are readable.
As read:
h=8 m=53
